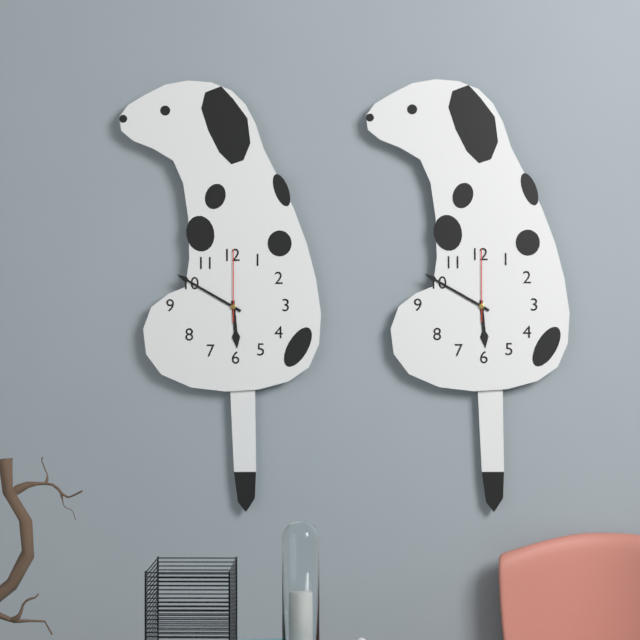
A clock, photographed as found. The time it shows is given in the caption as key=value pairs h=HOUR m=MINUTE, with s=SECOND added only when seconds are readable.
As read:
h=5 m=50 s=0
